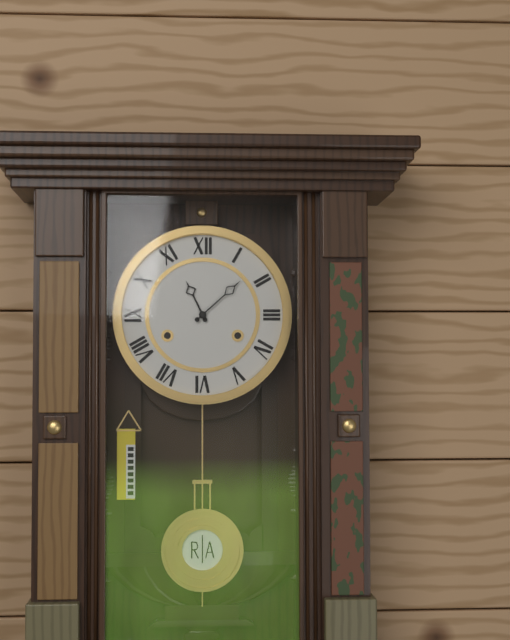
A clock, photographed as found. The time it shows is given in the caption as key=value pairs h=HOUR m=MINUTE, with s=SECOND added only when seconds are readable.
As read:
h=11 m=8
